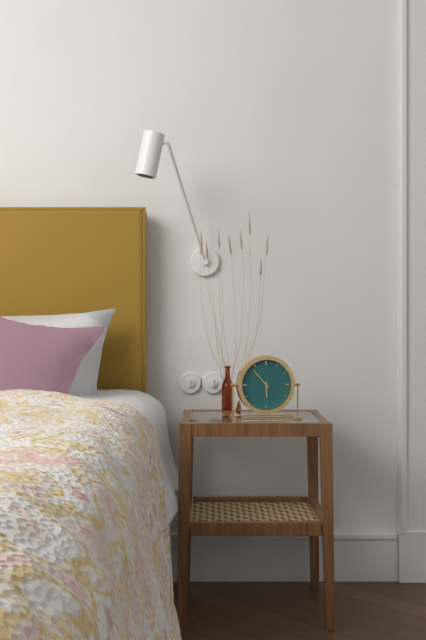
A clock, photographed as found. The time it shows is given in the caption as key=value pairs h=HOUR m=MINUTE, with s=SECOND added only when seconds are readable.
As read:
h=5 m=53
